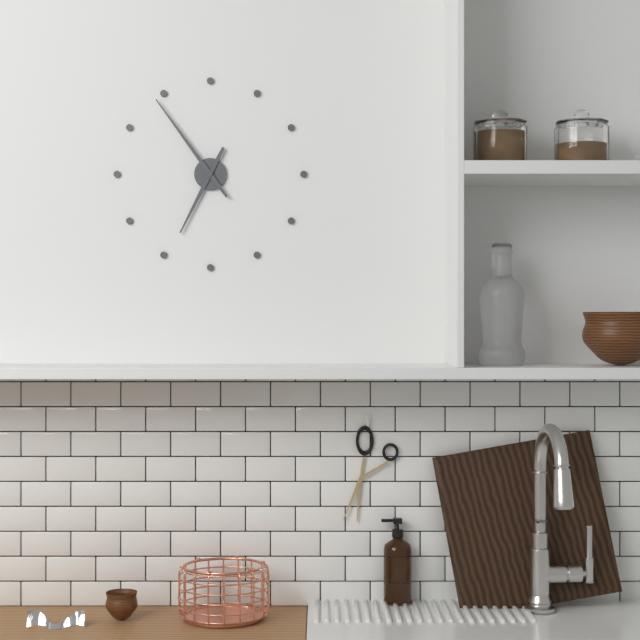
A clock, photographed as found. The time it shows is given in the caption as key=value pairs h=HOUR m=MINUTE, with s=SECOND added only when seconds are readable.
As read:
h=6 m=54
